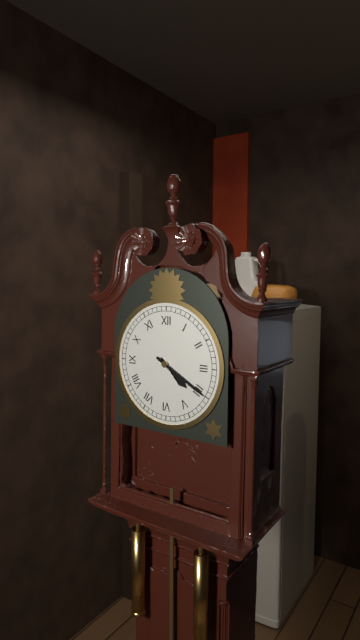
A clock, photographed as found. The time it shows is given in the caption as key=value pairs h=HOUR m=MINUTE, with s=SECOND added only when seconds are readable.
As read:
h=4 m=20
